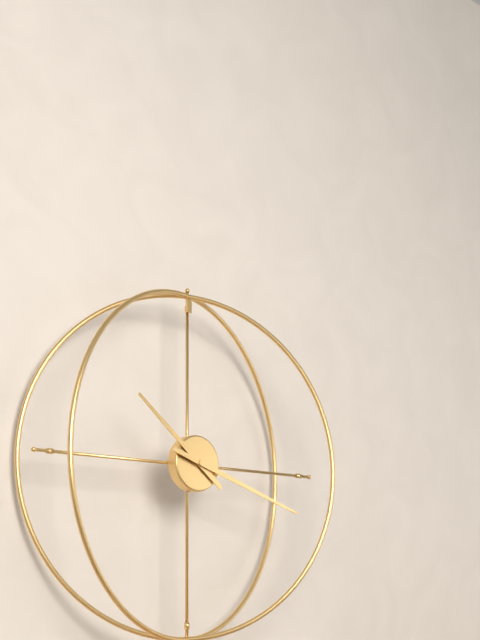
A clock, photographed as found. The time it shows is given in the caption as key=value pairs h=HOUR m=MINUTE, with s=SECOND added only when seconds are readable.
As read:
h=10 m=18
